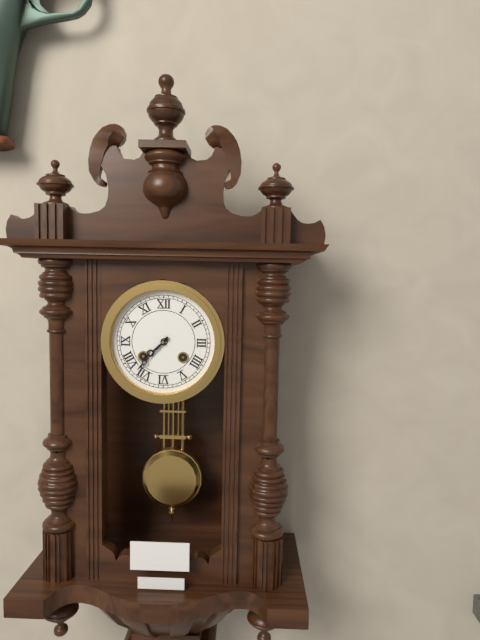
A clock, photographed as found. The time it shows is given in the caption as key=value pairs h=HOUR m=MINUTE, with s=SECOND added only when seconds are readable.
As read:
h=7 m=37
